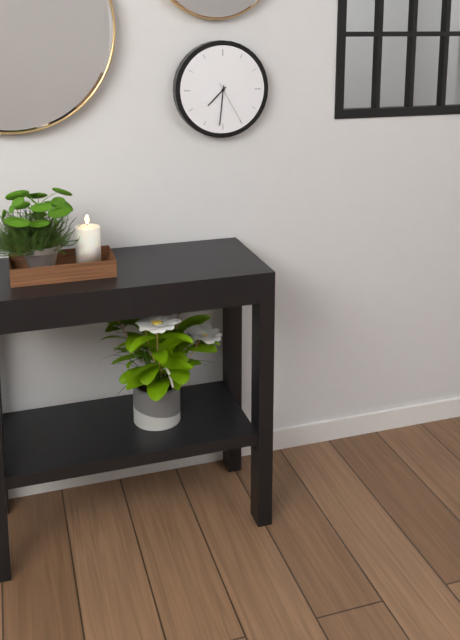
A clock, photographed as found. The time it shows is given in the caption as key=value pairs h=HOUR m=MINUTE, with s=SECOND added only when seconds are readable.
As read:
h=7 m=31
